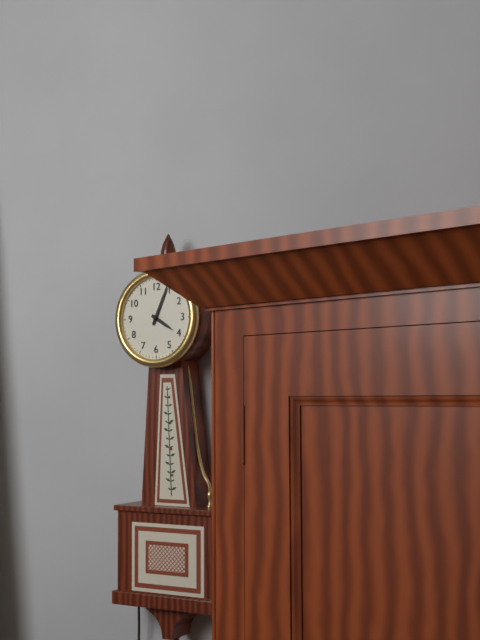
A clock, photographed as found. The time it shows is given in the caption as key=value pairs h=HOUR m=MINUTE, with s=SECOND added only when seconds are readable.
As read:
h=4 m=4
